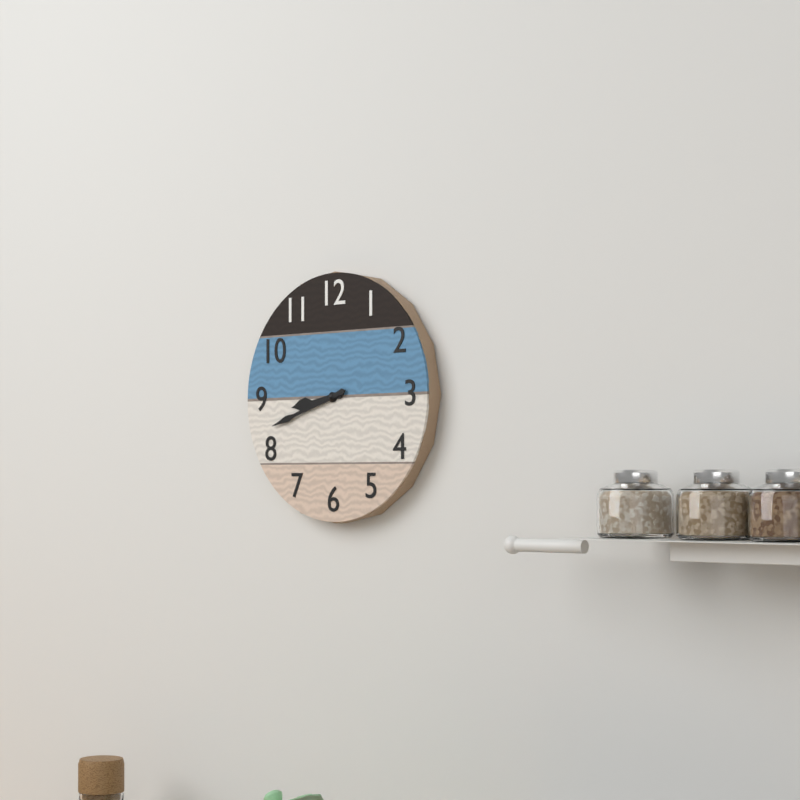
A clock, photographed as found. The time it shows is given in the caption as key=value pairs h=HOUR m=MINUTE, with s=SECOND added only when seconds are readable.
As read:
h=8 m=42
